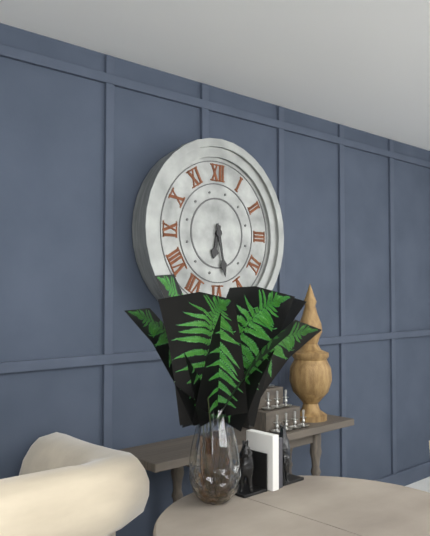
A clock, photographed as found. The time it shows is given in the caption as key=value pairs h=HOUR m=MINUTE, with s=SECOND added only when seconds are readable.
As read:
h=6 m=28
